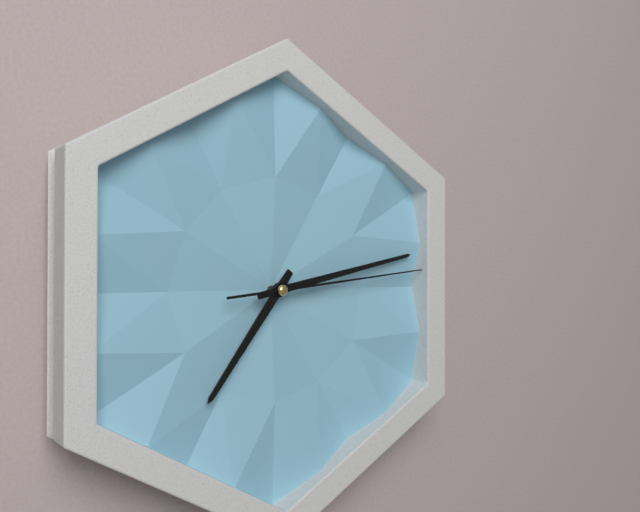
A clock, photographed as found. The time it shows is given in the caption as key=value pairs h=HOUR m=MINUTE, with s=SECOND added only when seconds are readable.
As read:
h=7 m=13 s=14
